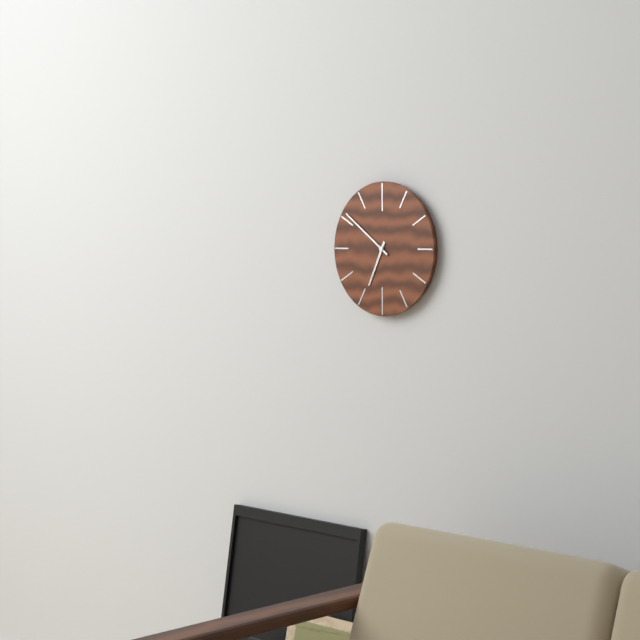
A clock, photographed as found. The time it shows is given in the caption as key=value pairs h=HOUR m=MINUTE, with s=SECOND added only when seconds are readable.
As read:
h=6 m=51
